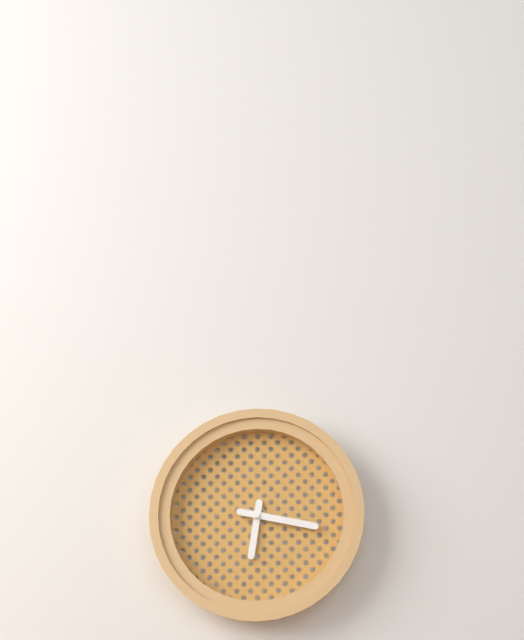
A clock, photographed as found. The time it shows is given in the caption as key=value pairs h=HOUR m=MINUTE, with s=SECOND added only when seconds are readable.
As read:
h=6 m=17
